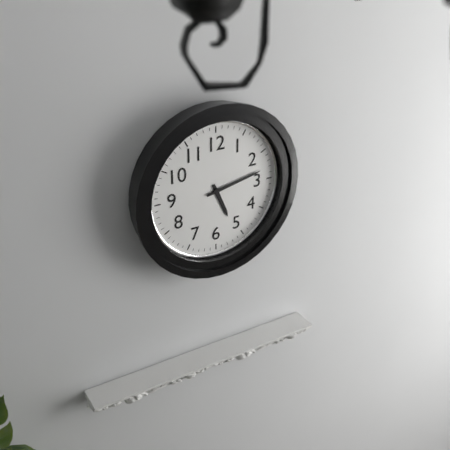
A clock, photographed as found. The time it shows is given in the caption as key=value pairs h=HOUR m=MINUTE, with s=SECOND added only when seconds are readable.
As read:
h=5 m=13
